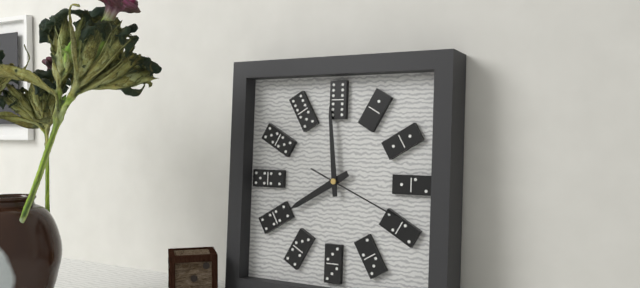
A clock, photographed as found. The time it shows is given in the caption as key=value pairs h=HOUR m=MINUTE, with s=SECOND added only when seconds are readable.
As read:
h=7 m=59 s=19
